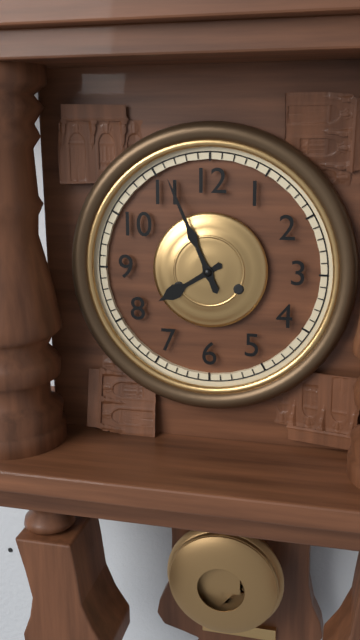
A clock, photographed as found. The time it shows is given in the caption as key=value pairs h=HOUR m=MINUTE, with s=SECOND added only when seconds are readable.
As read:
h=7 m=56
